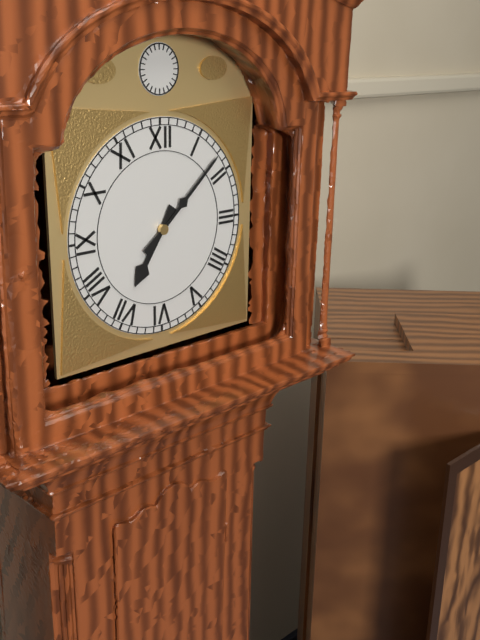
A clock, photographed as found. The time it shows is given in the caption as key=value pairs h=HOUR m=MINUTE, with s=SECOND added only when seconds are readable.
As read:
h=7 m=8
